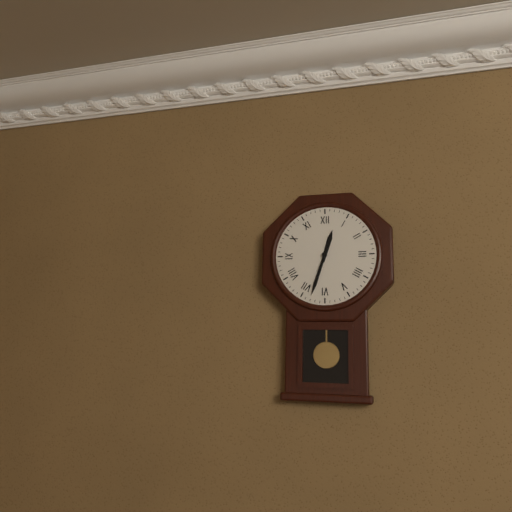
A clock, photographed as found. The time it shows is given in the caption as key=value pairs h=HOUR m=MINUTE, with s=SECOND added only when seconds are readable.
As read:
h=12 m=33
